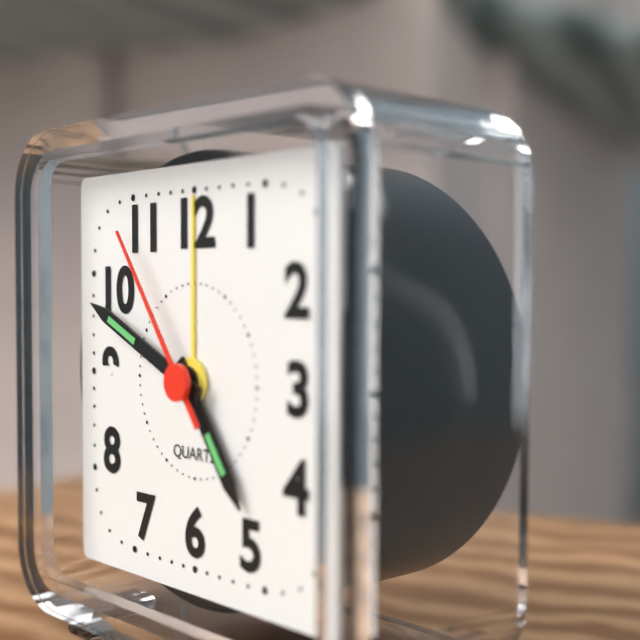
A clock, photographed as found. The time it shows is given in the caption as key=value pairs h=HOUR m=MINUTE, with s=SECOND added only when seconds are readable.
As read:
h=4 m=49 s=54
